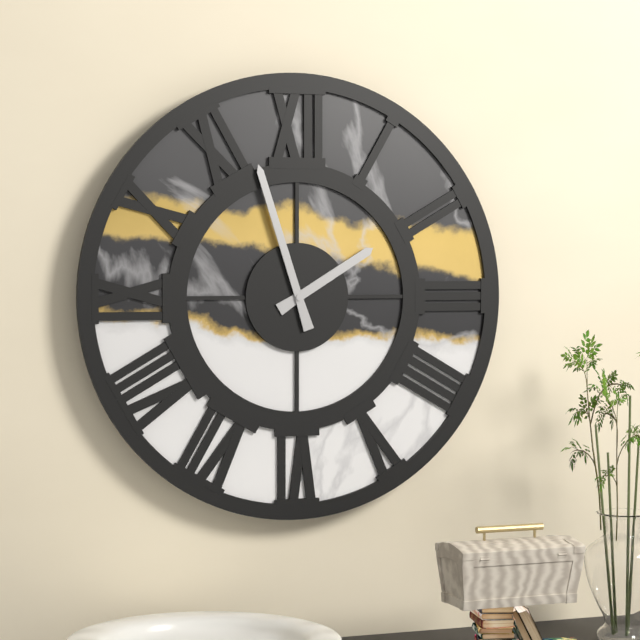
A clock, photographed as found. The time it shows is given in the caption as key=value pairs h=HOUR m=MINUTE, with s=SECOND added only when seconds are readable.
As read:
h=1 m=57
